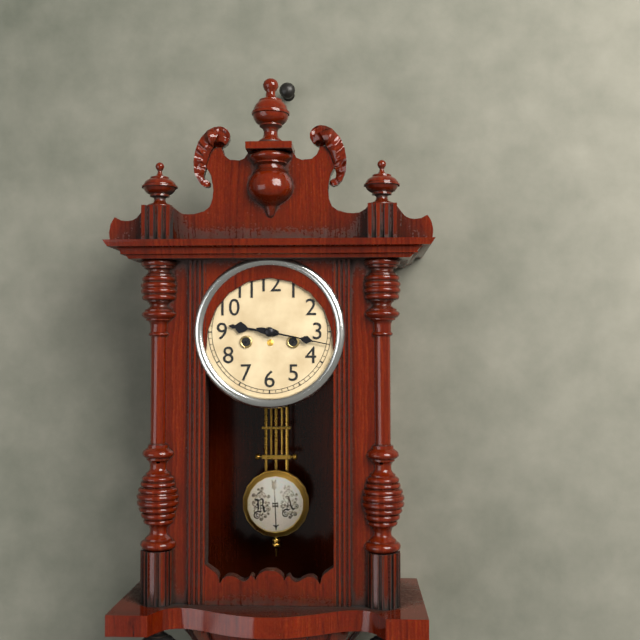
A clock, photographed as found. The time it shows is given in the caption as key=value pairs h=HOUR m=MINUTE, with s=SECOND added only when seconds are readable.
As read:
h=9 m=17
